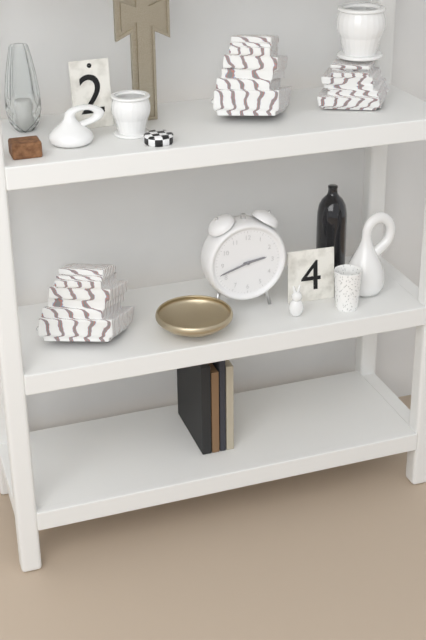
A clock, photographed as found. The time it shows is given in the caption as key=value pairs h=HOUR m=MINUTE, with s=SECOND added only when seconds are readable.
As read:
h=2 m=42
